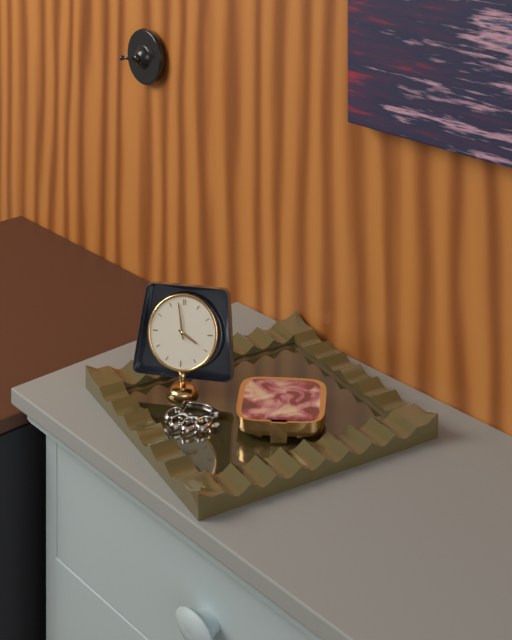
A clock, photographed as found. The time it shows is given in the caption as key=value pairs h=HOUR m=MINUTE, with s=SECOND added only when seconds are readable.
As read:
h=3 m=58
